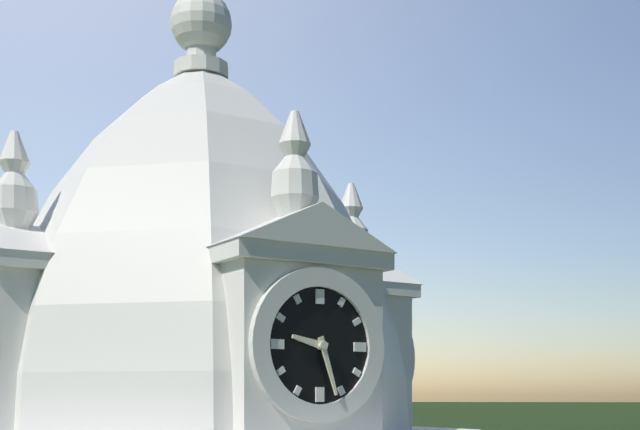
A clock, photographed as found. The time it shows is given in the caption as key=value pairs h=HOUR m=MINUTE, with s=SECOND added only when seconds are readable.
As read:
h=9 m=27
